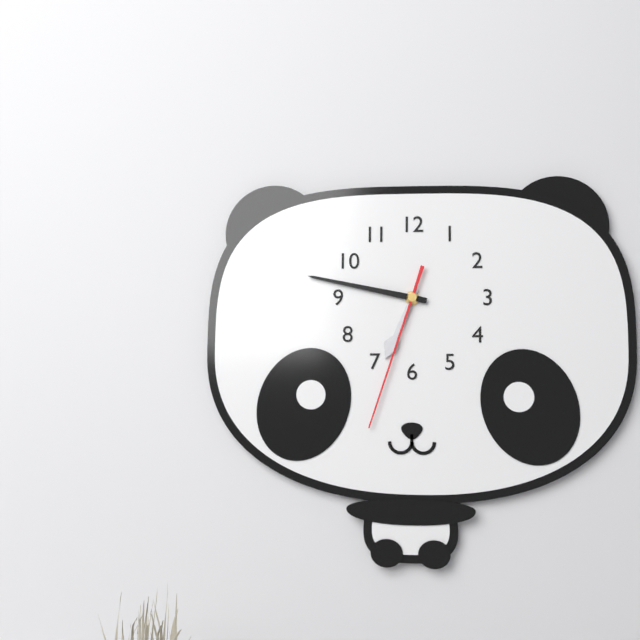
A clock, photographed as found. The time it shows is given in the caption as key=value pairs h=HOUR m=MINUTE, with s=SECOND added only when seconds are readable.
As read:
h=6 m=47 s=33
